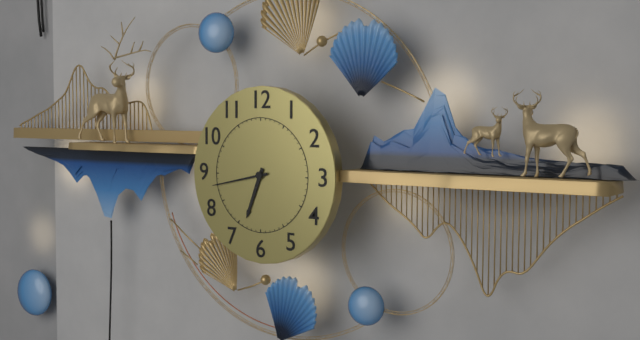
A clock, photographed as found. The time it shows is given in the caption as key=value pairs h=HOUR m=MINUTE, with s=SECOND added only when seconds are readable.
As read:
h=6 m=43
